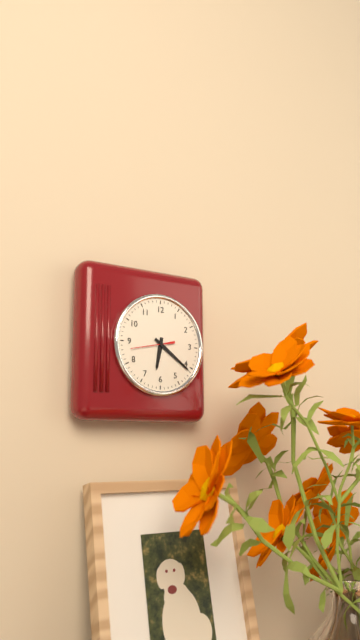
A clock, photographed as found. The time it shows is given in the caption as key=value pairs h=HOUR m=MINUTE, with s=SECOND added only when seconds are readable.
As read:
h=6 m=21
